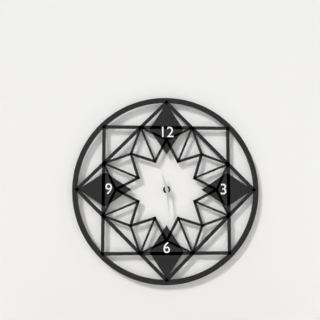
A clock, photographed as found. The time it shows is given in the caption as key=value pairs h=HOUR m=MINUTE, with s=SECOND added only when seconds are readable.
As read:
h=11 m=29
